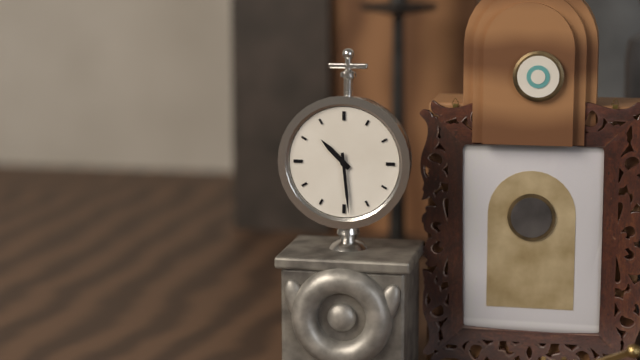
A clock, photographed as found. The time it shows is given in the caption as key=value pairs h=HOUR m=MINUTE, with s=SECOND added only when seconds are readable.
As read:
h=10 m=29
